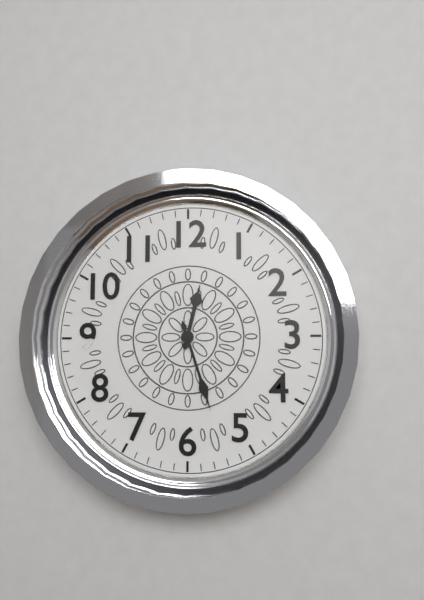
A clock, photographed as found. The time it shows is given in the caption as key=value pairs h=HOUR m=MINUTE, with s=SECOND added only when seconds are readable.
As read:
h=12 m=27
